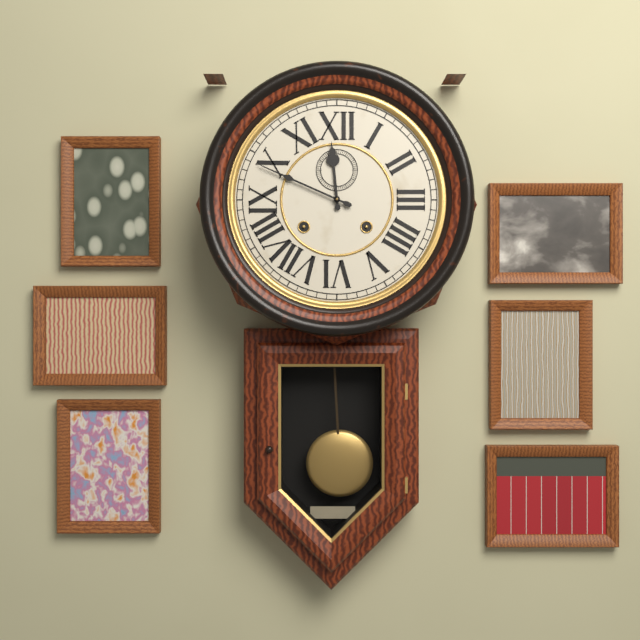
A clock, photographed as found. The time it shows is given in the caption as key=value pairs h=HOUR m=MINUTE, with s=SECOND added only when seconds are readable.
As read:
h=11 m=49
